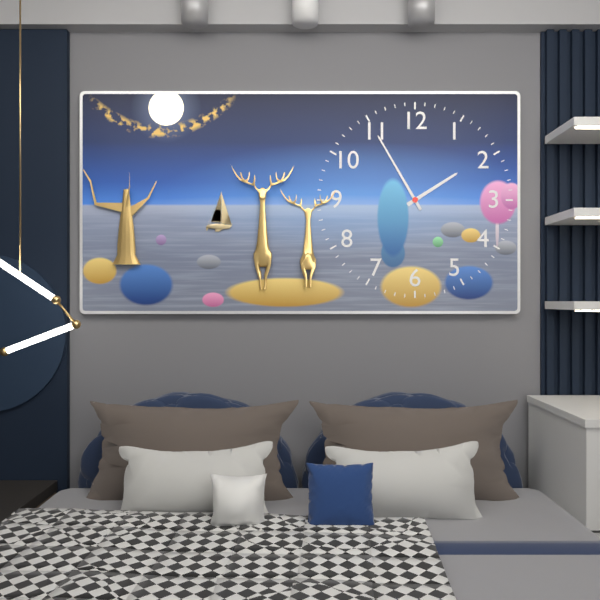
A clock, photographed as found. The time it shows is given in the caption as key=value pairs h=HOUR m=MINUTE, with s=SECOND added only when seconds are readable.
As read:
h=1 m=55
